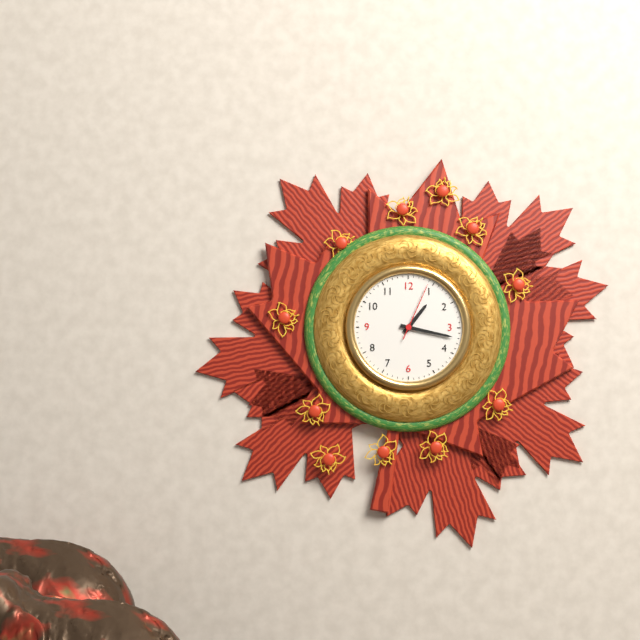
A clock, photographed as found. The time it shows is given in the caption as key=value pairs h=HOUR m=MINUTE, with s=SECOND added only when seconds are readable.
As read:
h=1 m=17 s=4
